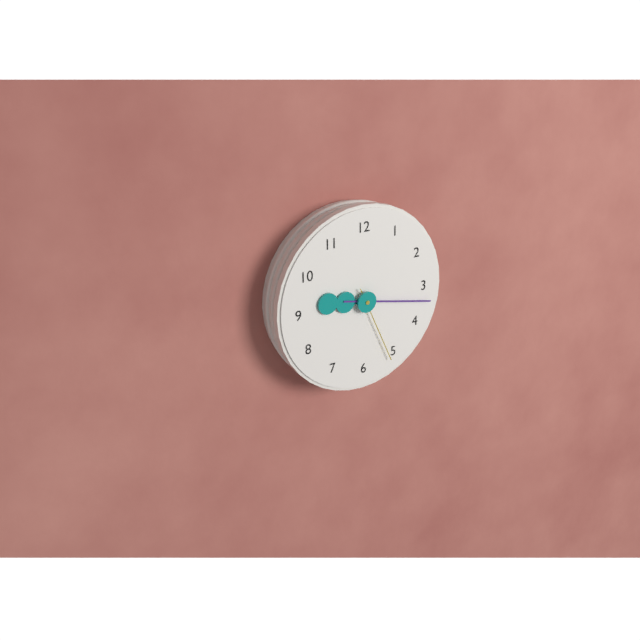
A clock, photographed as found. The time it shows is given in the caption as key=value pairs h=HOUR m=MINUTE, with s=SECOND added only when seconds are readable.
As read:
h=9 m=17 s=26
